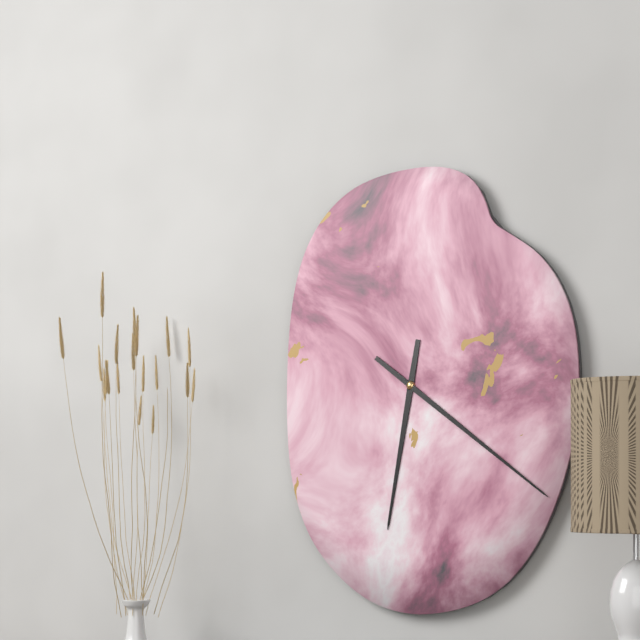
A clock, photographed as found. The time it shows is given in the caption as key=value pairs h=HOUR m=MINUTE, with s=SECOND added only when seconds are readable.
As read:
h=6 m=21
